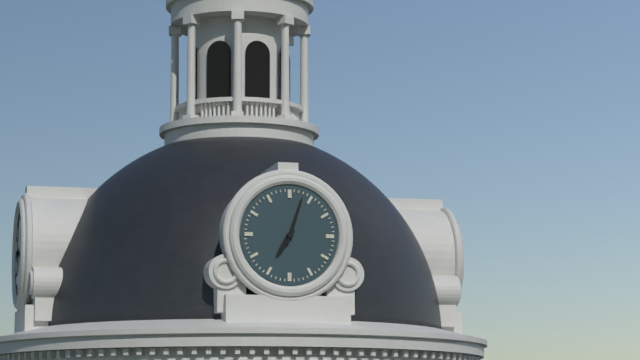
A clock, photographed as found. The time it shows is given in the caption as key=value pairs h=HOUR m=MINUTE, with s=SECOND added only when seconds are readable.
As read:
h=7 m=3
